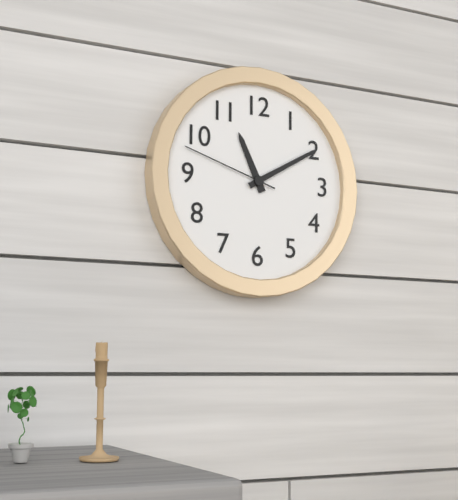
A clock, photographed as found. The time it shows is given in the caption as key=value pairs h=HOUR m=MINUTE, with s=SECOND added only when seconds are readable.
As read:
h=11 m=10 s=48
